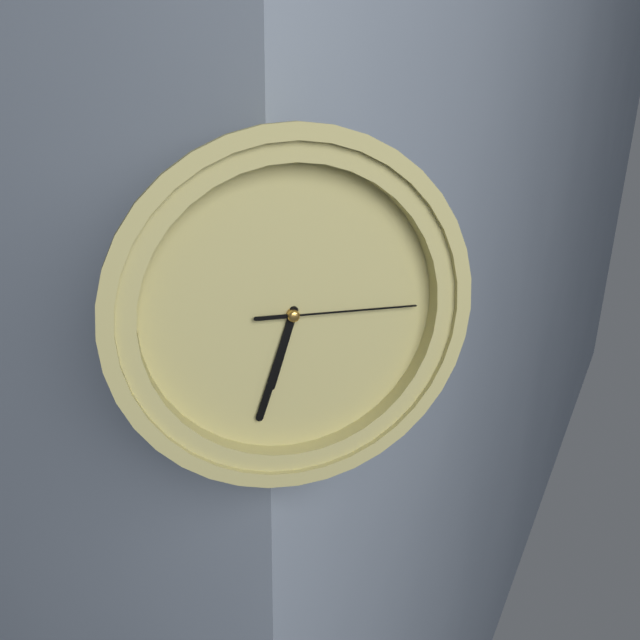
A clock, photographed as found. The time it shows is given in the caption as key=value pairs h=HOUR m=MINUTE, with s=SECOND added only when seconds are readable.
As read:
h=6 m=33 s=15
